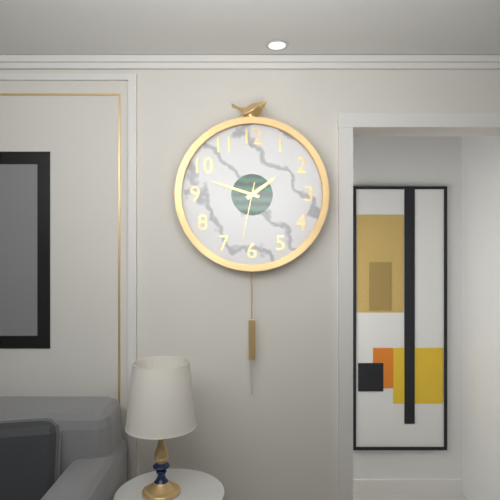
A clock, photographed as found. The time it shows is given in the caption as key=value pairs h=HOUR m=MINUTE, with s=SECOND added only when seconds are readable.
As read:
h=1 m=48 s=32
